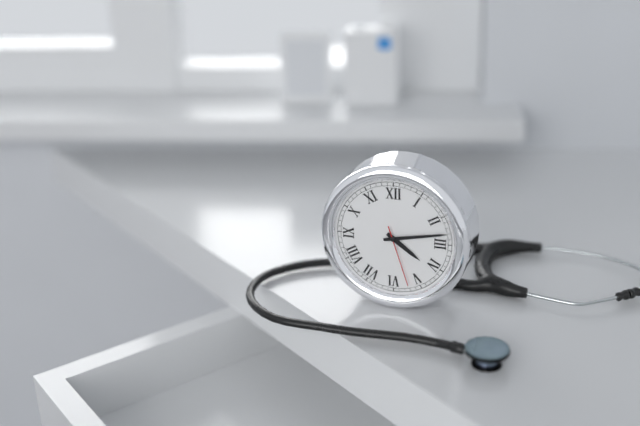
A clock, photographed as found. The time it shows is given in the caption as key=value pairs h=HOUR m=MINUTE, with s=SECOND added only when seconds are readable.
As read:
h=4 m=13 s=27
